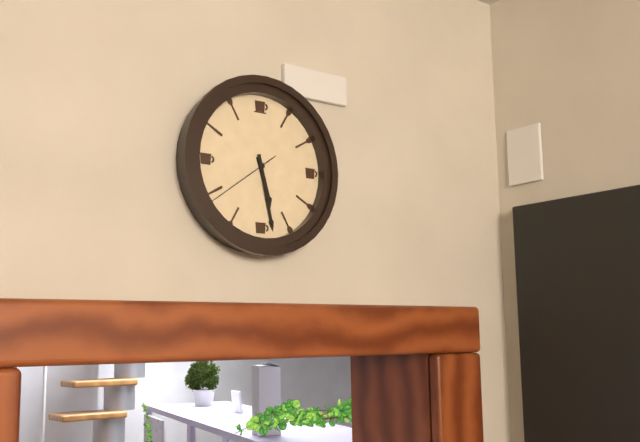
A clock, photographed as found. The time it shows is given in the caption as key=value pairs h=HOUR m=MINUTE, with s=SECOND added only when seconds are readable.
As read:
h=5 m=28 s=39
